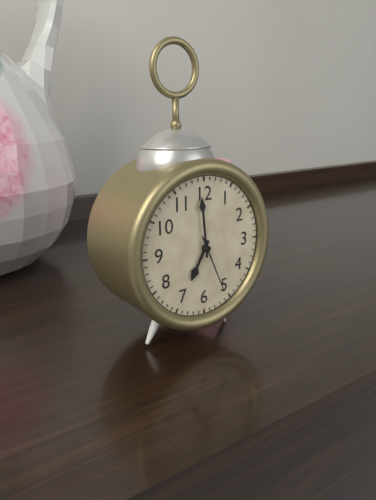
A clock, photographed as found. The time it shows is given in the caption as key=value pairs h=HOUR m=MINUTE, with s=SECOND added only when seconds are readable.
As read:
h=6 m=59 s=26
